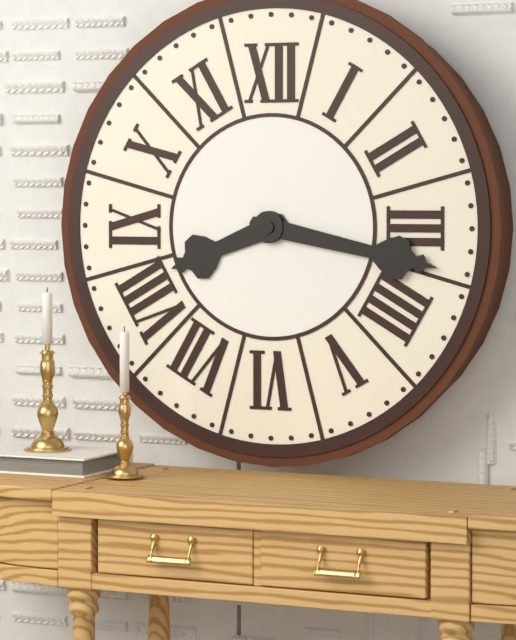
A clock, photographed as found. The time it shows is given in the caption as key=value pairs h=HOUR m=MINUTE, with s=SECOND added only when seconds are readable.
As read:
h=8 m=17
